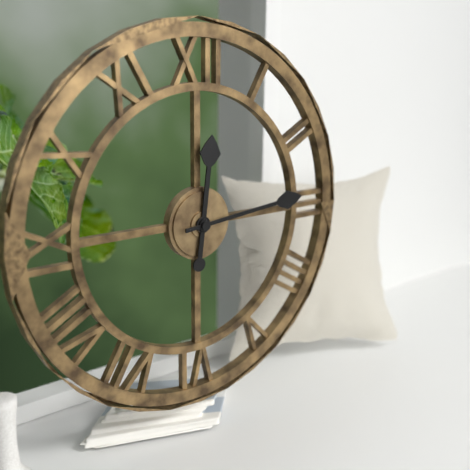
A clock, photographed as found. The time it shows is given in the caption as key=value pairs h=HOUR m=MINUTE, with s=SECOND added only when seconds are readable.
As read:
h=12 m=14
